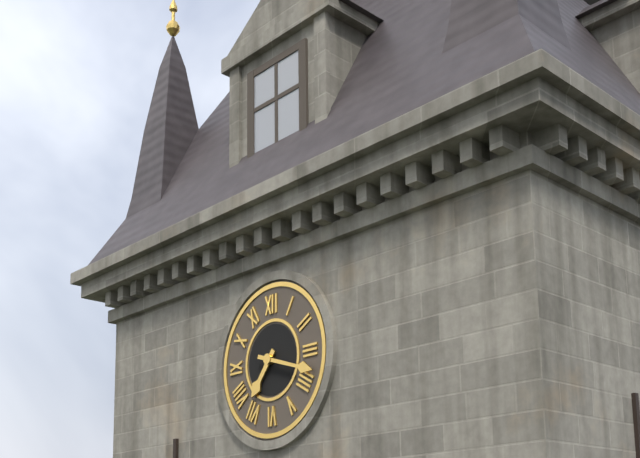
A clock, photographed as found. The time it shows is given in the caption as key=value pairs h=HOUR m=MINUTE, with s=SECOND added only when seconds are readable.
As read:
h=7 m=18
